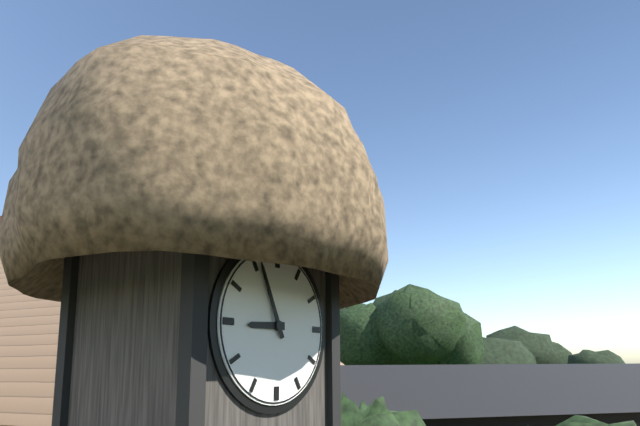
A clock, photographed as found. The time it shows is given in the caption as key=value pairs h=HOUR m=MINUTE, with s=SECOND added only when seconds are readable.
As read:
h=8 m=56
